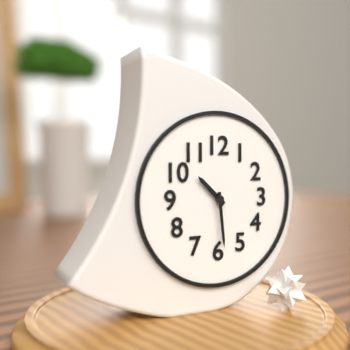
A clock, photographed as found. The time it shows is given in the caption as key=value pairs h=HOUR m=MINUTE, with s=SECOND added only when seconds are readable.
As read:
h=10 m=29
